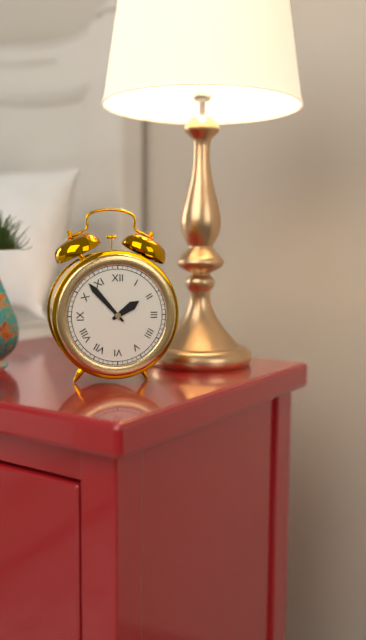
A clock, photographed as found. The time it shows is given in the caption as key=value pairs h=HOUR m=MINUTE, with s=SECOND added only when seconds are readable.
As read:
h=1 m=53
